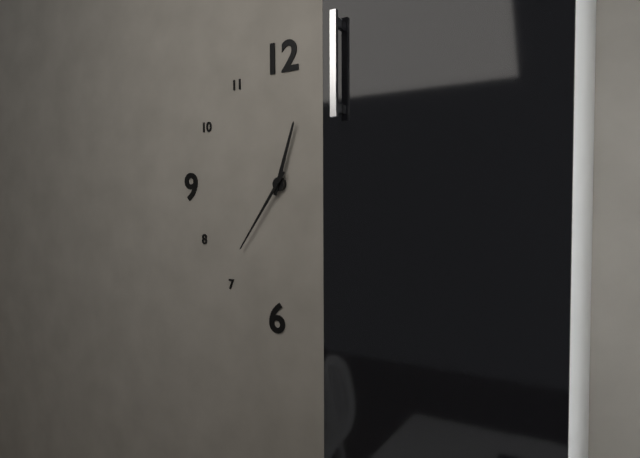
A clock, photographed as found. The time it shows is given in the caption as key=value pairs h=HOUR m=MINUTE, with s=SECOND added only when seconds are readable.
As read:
h=12 m=36
